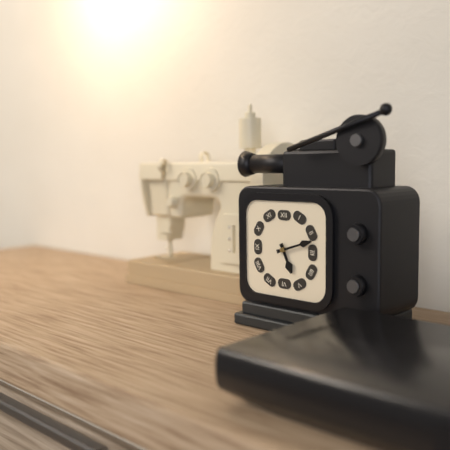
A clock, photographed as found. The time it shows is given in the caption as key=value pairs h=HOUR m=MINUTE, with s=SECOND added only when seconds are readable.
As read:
h=5 m=12
